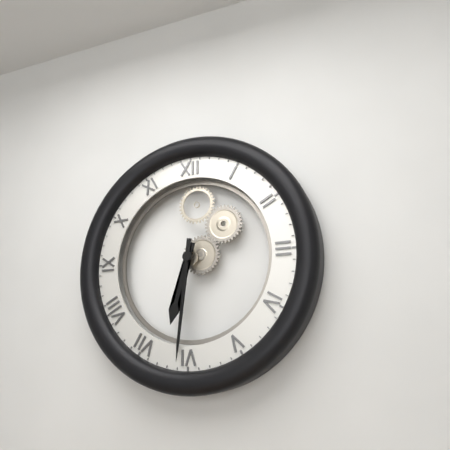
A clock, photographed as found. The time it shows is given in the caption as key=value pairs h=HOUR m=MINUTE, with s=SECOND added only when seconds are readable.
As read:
h=6 m=31
